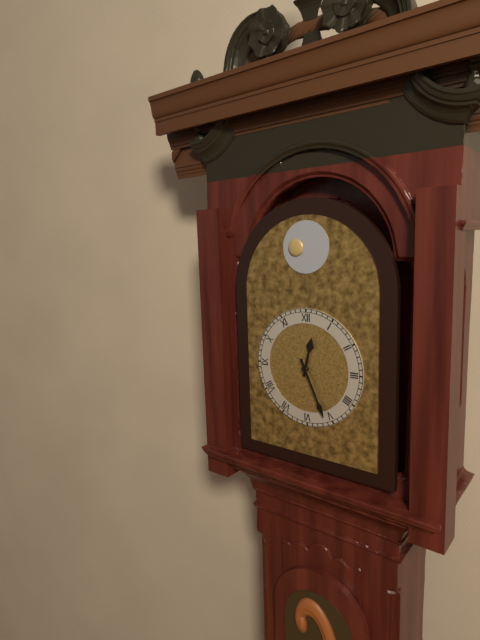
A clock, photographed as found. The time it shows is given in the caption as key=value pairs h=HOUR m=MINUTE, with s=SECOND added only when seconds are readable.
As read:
h=12 m=26
